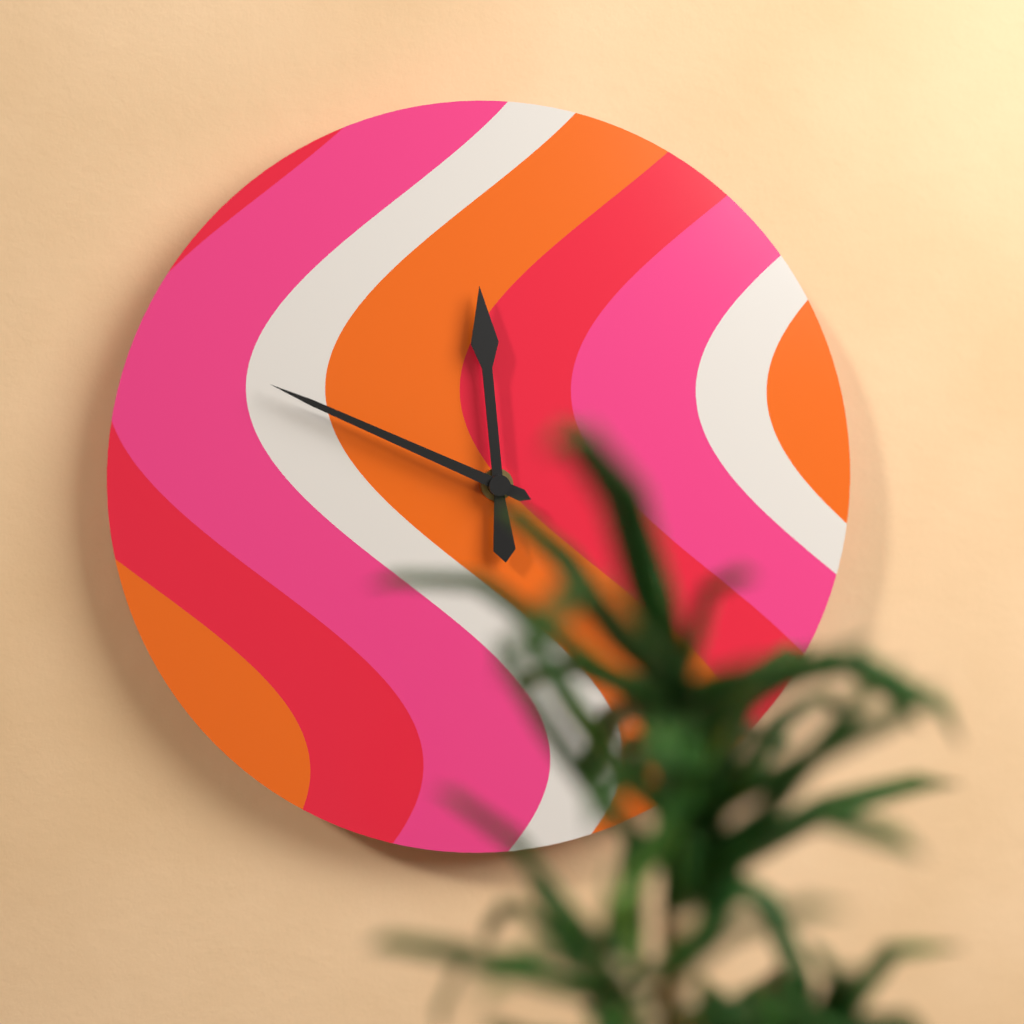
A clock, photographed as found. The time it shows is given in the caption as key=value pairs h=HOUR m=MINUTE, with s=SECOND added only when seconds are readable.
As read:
h=11 m=49
